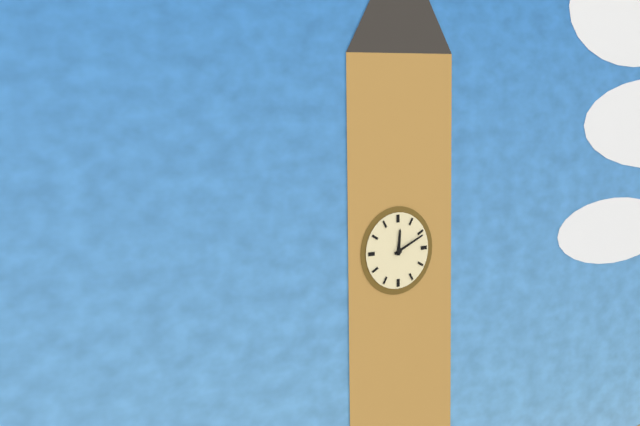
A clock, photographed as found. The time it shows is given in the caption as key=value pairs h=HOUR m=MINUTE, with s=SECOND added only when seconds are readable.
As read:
h=12 m=11
